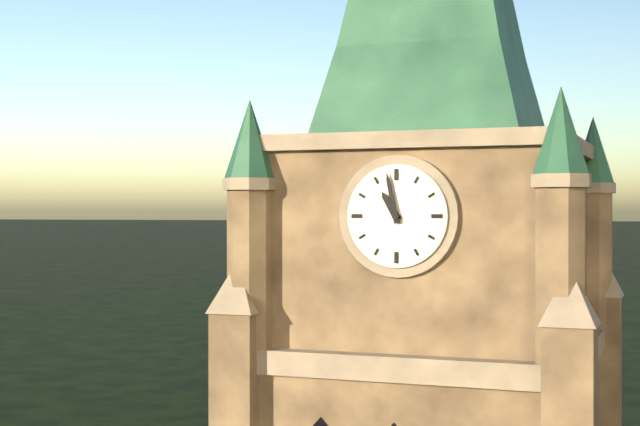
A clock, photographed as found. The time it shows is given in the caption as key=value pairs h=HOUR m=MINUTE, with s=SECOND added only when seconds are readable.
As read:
h=10 m=58
